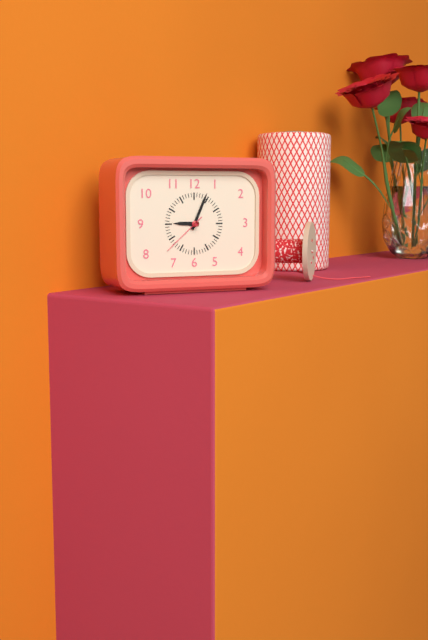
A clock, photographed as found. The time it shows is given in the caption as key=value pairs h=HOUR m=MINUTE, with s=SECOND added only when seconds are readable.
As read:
h=9 m=4
